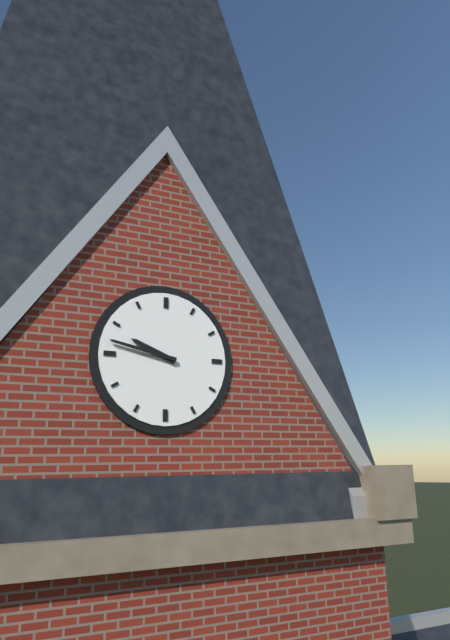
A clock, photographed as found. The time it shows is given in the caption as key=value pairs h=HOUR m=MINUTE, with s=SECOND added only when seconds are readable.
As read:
h=9 m=47
